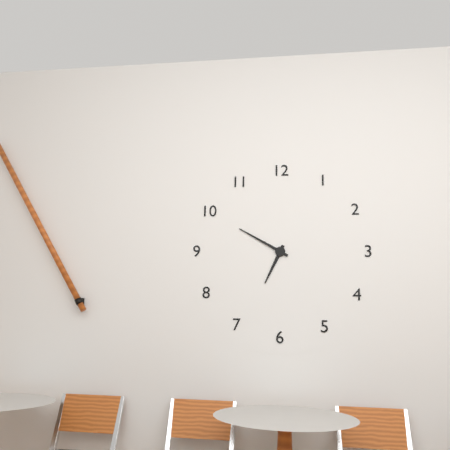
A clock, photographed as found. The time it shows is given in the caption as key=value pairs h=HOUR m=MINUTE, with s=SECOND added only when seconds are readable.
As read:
h=6 m=50
